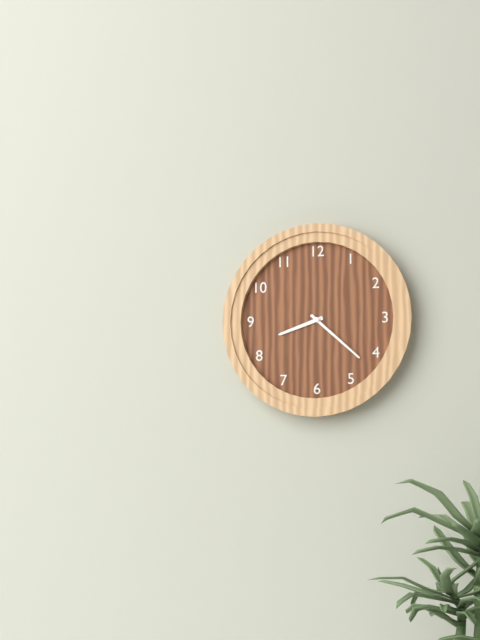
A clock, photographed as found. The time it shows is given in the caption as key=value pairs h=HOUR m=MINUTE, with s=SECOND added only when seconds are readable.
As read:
h=8 m=22
